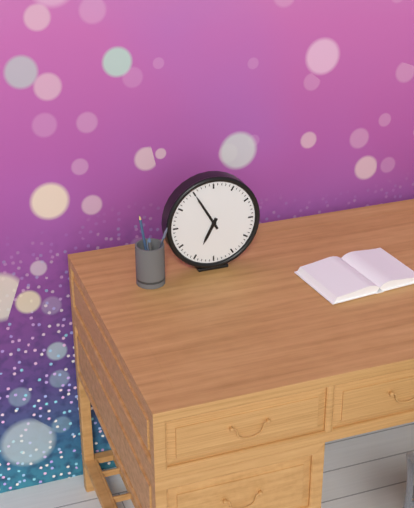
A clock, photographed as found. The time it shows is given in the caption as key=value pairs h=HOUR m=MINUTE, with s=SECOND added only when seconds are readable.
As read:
h=6 m=55
